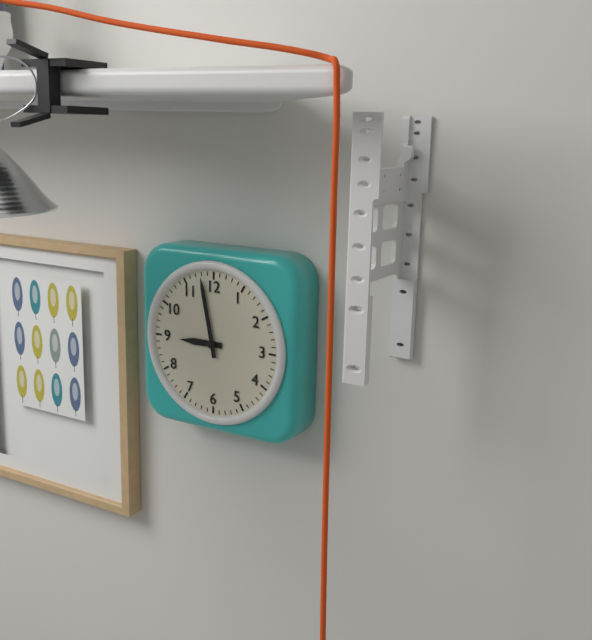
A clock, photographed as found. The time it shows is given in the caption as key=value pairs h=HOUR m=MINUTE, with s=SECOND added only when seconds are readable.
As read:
h=8 m=58
